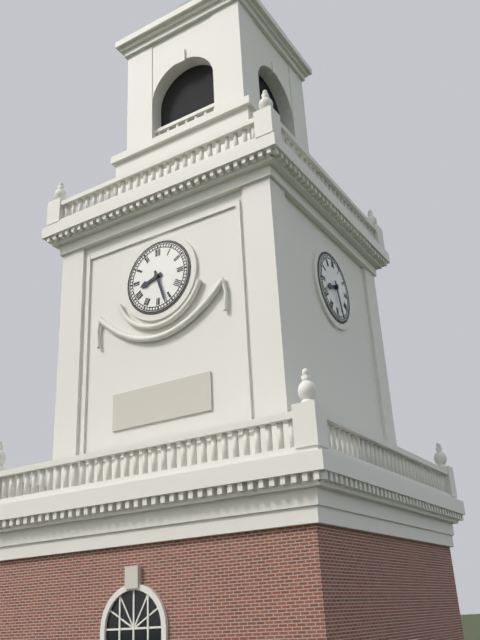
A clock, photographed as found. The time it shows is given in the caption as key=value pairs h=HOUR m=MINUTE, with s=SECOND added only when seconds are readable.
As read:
h=8 m=27
